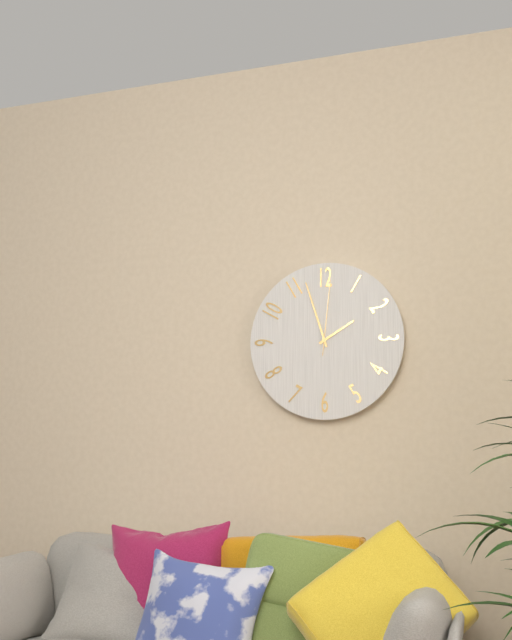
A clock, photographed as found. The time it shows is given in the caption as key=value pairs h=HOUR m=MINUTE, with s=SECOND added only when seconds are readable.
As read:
h=1 m=57 s=1
